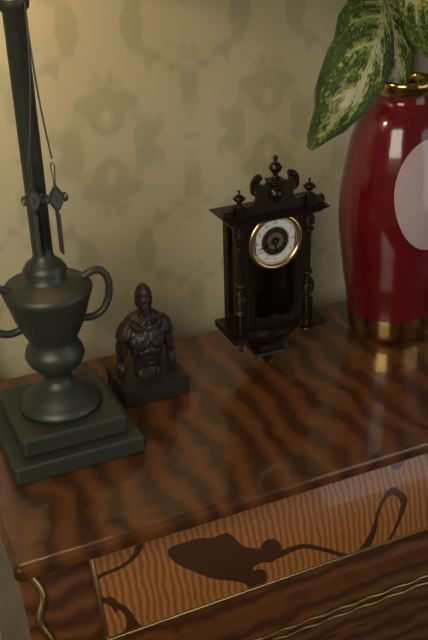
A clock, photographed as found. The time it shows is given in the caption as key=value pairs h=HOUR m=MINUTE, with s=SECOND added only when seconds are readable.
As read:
h=5 m=42
